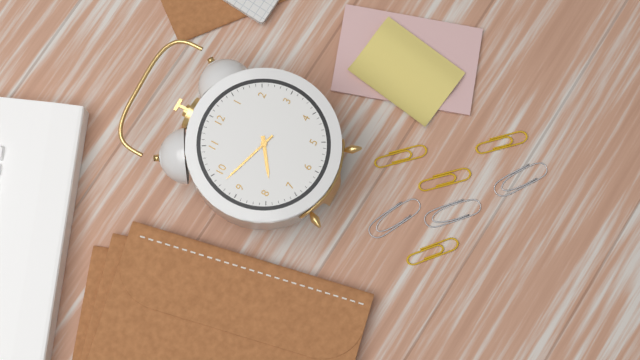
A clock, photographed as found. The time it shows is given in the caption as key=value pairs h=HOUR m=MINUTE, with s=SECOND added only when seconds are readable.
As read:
h=7 m=48
